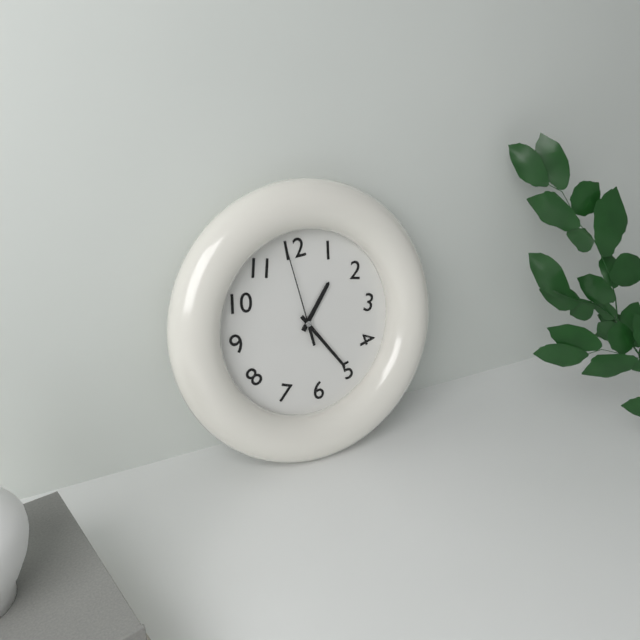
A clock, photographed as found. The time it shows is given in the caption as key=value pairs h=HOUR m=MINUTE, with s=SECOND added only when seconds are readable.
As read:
h=1 m=25 s=59
